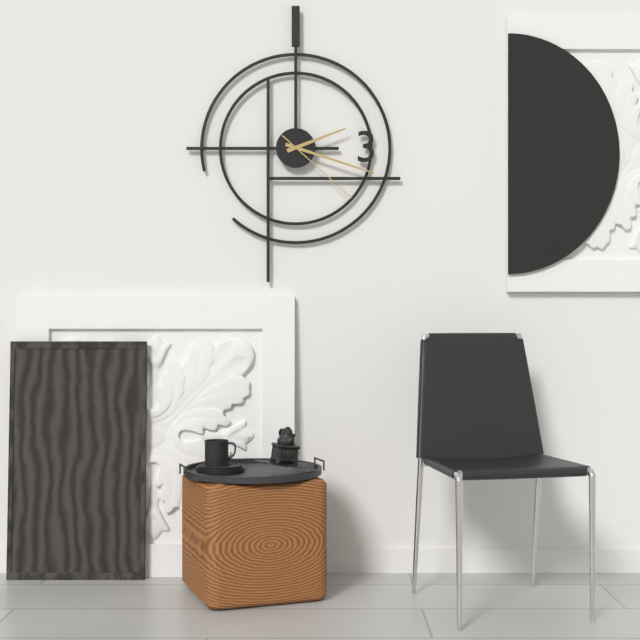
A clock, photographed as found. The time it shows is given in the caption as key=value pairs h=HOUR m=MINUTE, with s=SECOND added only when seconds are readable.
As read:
h=2 m=18 s=22
